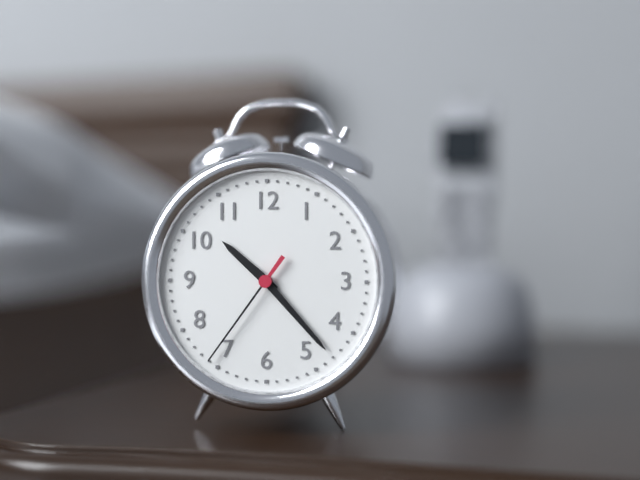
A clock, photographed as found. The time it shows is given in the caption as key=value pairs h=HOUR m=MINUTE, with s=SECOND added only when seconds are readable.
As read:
h=10 m=23 s=36
